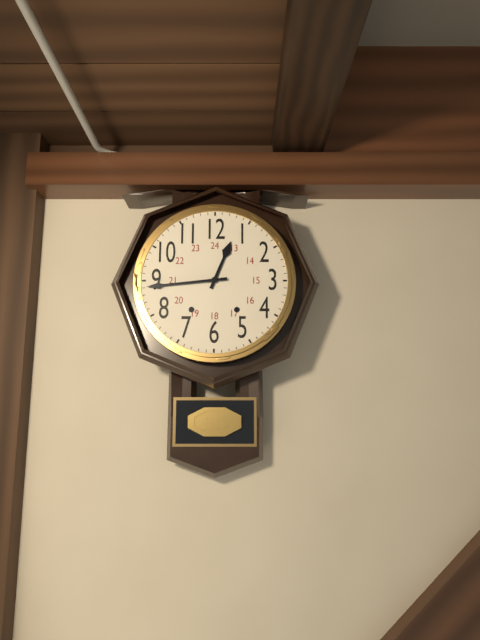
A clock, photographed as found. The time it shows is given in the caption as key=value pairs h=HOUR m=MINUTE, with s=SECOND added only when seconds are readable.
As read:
h=12 m=44
